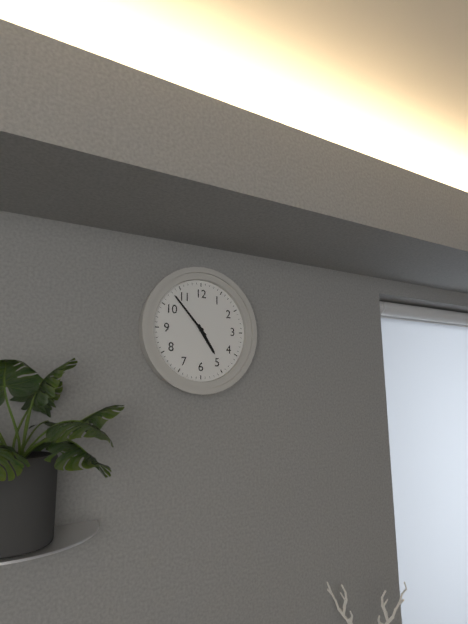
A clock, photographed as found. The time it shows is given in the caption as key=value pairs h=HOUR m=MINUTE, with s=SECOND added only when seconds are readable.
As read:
h=4 m=53
